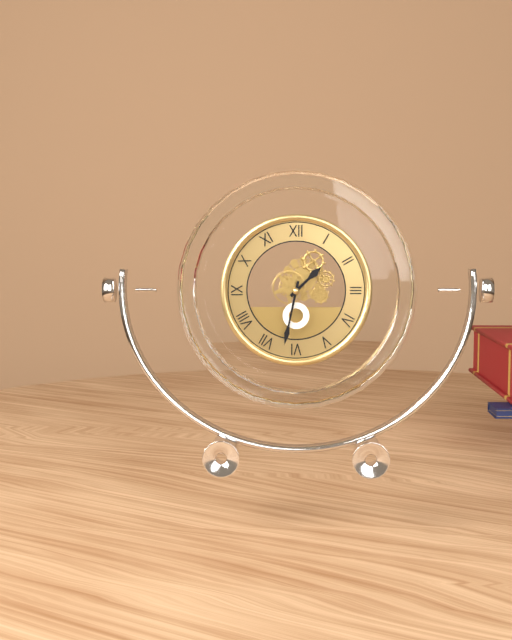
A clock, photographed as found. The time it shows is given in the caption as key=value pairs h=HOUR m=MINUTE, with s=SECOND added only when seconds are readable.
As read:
h=1 m=32
